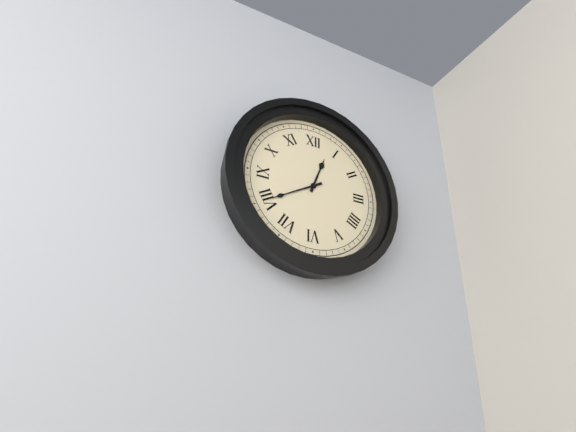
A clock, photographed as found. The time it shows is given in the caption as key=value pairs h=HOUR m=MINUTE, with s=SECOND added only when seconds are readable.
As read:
h=12 m=40
